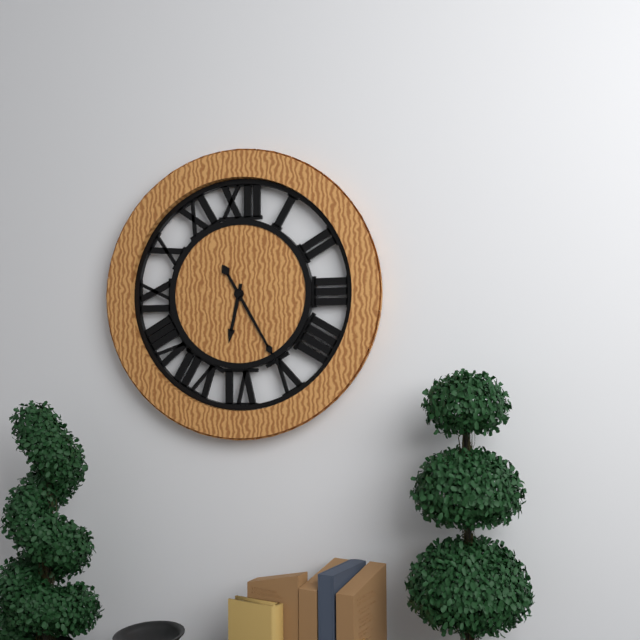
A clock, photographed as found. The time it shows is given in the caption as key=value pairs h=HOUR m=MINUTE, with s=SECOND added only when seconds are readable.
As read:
h=6 m=25
